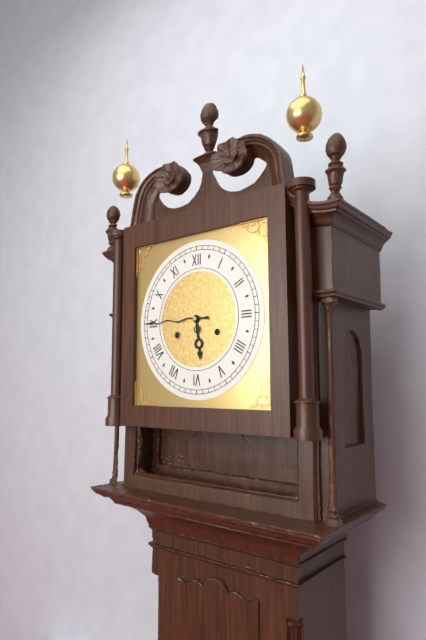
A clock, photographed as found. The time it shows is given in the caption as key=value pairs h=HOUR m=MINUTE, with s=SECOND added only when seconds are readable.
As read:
h=5 m=45
